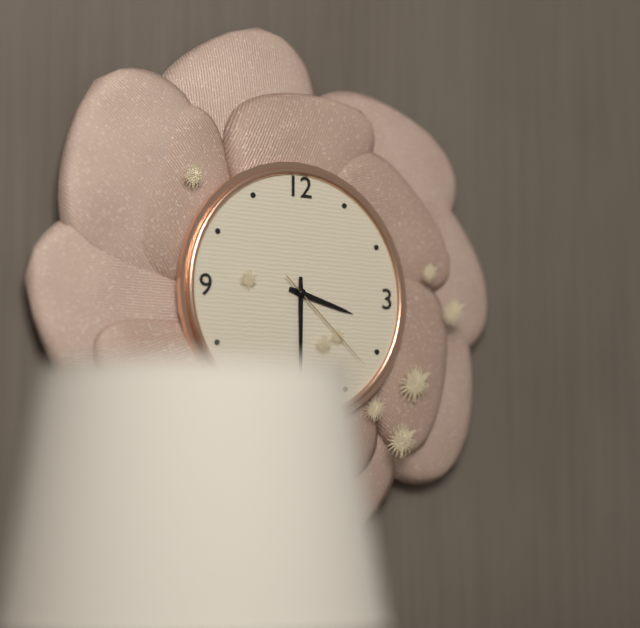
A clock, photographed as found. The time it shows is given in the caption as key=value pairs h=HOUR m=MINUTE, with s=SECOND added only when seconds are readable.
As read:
h=3 m=30 s=22
